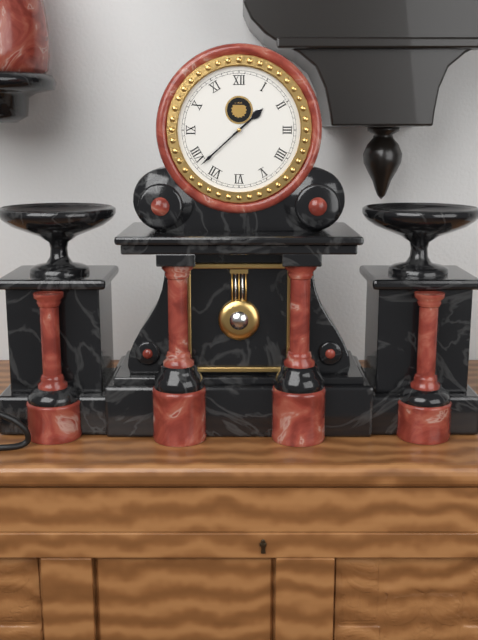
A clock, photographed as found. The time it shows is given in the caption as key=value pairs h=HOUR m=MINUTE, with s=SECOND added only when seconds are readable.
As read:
h=1 m=38
